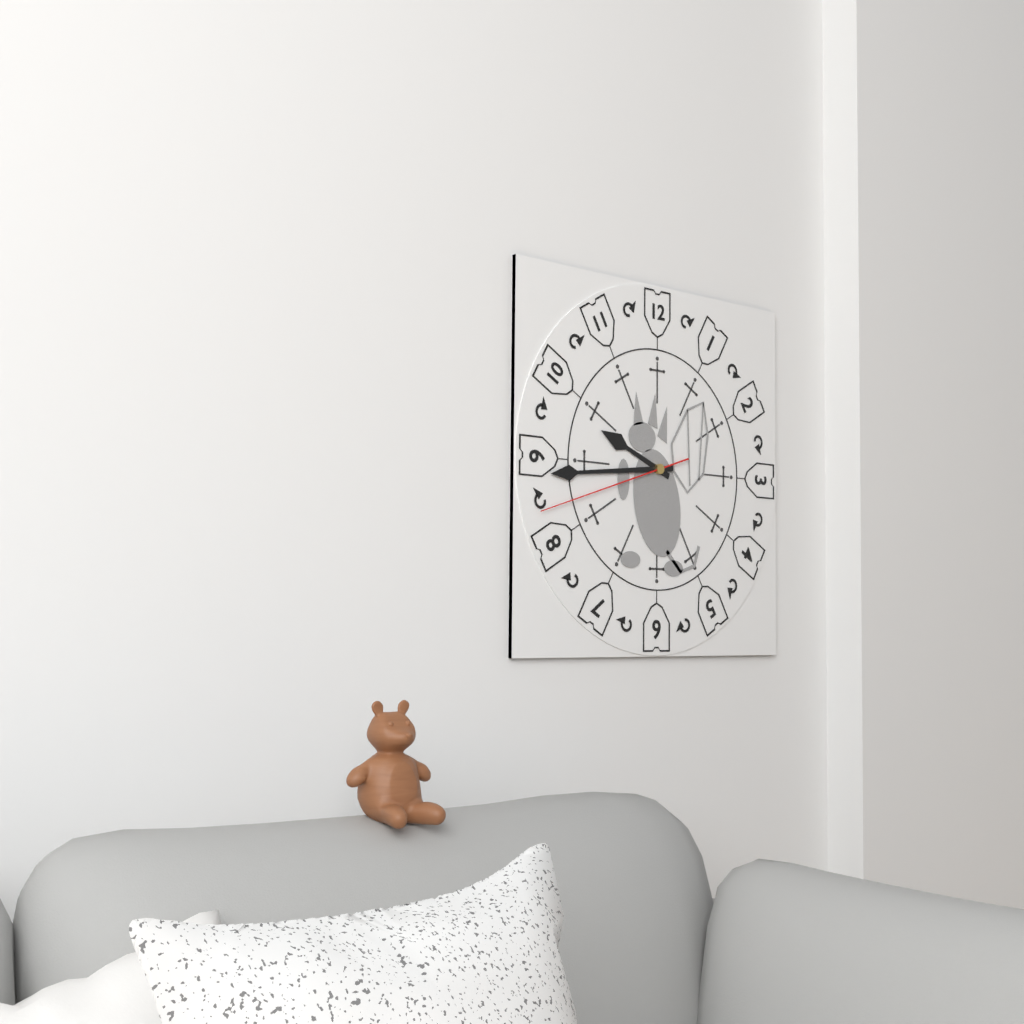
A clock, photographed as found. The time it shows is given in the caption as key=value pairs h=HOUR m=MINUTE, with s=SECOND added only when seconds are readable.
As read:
h=9 m=44 s=42
